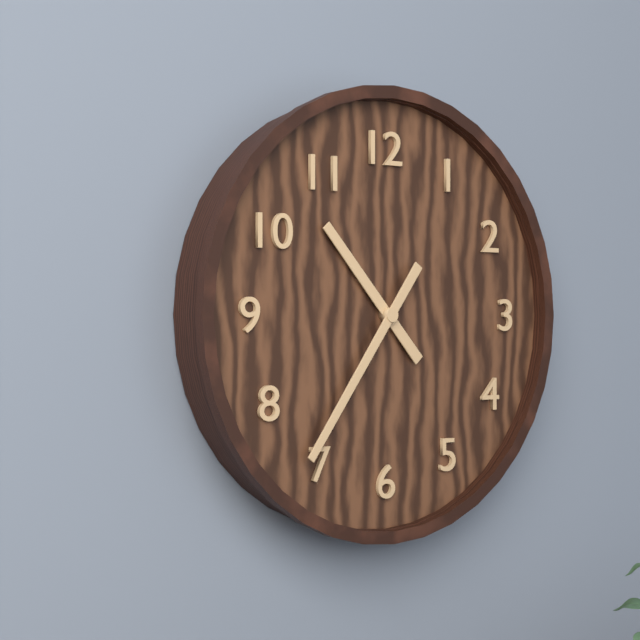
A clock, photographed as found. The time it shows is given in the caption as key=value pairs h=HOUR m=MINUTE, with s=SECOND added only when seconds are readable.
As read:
h=10 m=36
